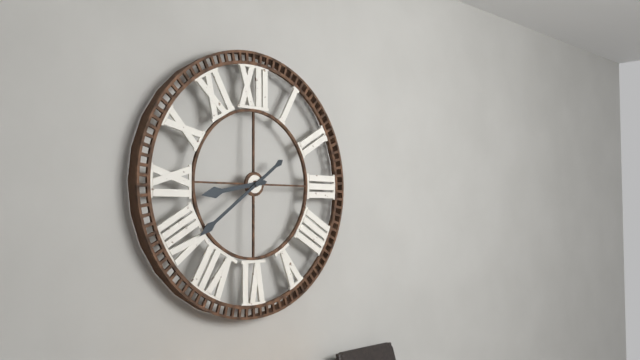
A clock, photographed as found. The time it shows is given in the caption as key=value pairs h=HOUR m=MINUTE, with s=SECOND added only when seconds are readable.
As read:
h=8 m=39
